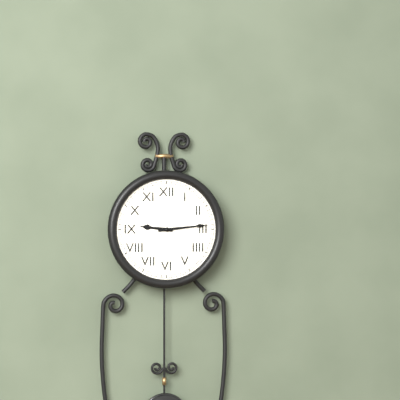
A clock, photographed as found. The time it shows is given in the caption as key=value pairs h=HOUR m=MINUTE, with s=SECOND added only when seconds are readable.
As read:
h=9 m=14
